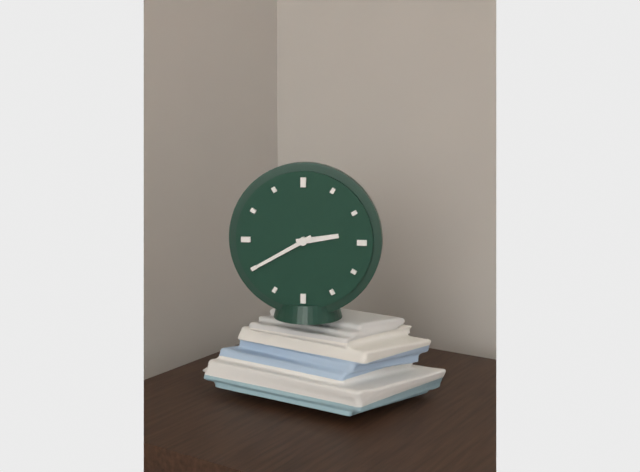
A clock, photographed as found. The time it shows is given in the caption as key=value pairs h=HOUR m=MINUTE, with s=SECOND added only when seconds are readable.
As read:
h=2 m=40
